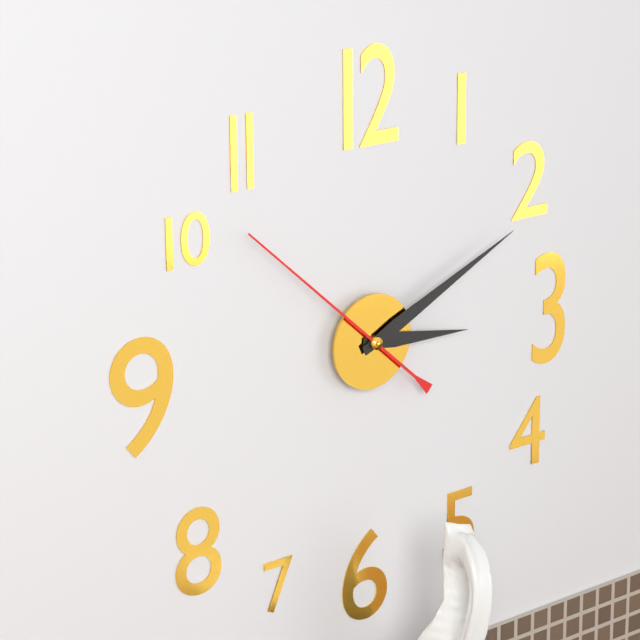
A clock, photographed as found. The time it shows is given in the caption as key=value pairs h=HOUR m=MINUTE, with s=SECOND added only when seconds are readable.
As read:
h=3 m=11 s=52
